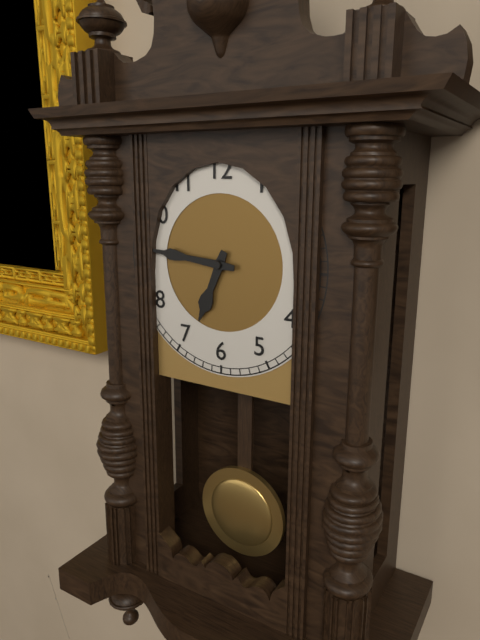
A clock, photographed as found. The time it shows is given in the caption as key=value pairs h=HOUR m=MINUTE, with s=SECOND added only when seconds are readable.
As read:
h=6 m=46
